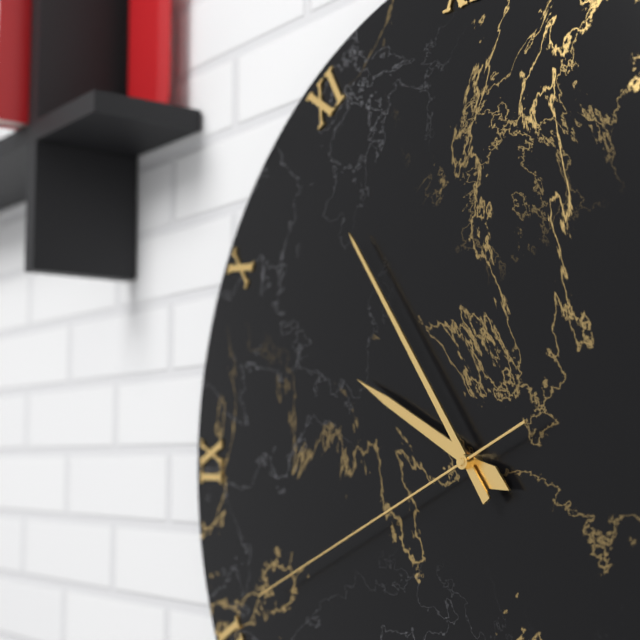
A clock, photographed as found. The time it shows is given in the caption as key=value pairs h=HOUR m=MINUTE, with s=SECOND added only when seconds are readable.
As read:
h=9 m=54 s=41
